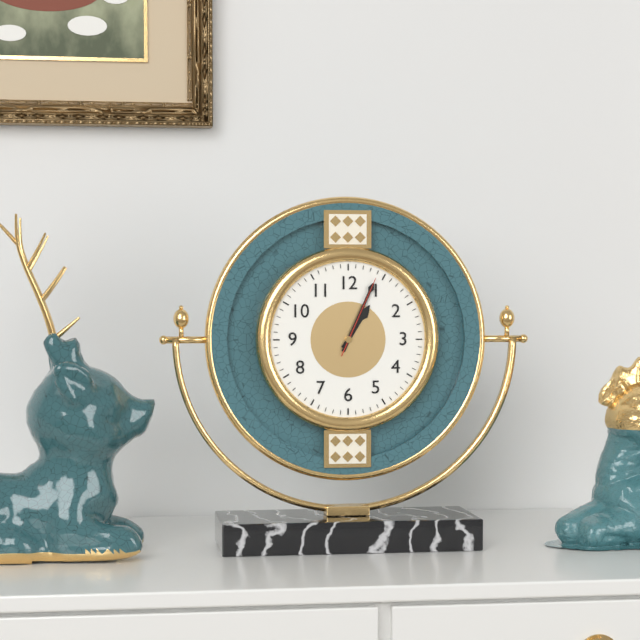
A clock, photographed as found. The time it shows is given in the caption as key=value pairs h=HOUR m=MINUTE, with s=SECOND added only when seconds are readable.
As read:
h=1 m=4 s=4
